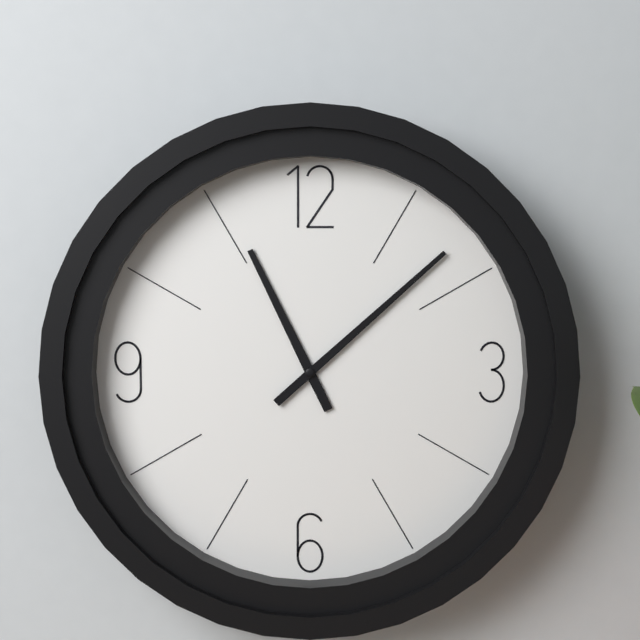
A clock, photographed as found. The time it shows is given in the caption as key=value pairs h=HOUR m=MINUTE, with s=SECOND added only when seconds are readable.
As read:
h=11 m=8
